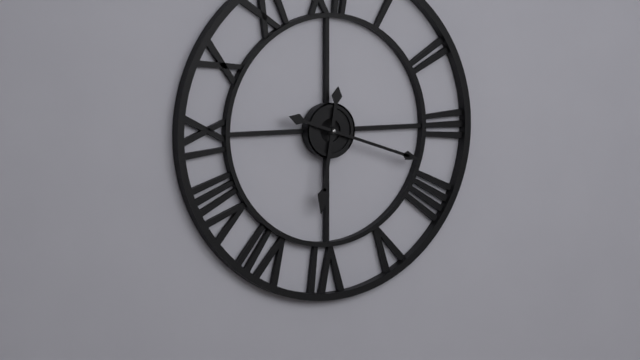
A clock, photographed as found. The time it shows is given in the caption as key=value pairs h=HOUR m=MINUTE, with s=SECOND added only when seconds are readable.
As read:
h=6 m=18
